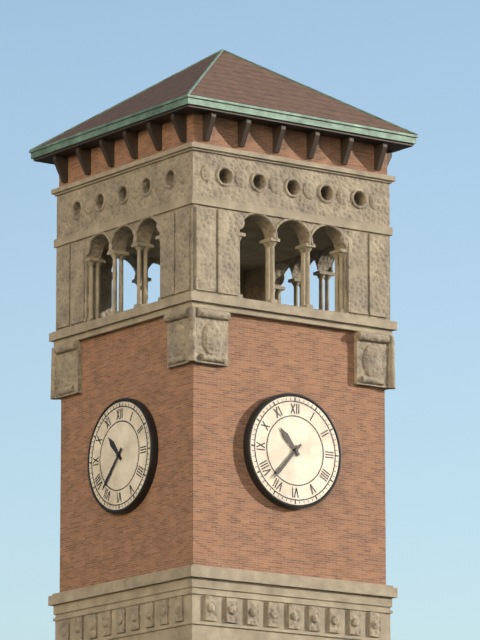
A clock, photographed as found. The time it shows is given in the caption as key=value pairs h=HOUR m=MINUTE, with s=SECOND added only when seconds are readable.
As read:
h=10 m=37
